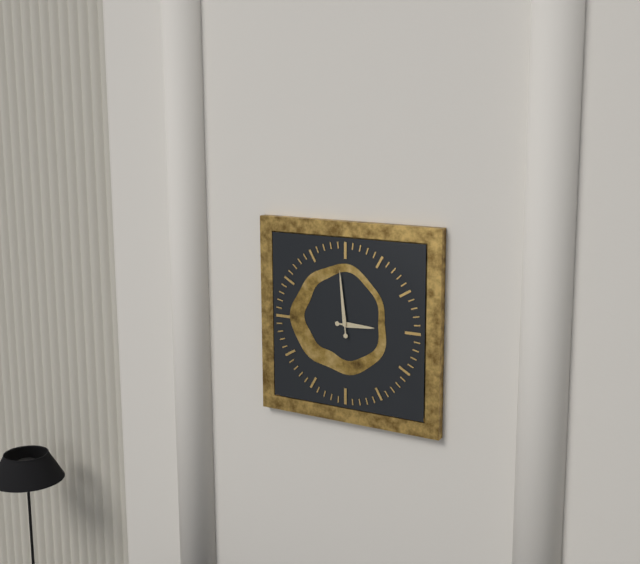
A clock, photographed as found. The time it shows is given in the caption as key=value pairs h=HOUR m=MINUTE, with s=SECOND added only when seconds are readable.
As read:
h=2 m=59
